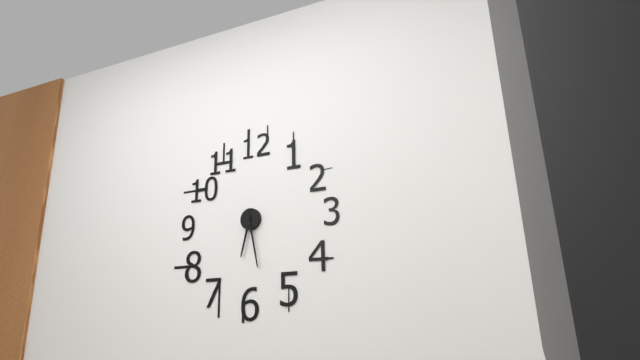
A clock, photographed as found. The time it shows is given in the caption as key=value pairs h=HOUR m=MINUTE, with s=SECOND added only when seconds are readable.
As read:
h=6 m=28
